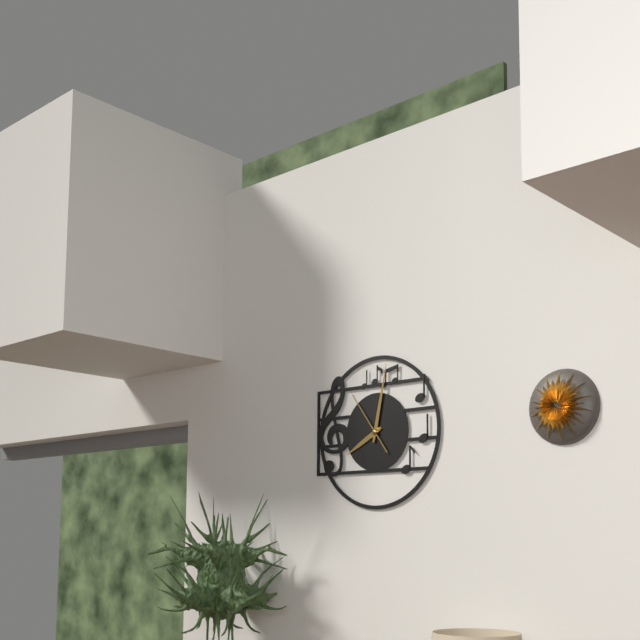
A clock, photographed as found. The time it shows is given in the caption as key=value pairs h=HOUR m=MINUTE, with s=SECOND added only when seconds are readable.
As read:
h=8 m=2 s=54
